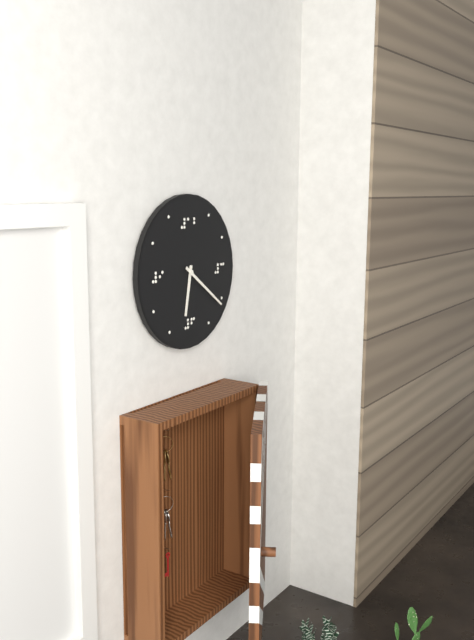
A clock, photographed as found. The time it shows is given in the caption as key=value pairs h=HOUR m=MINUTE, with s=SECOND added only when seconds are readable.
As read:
h=6 m=21
